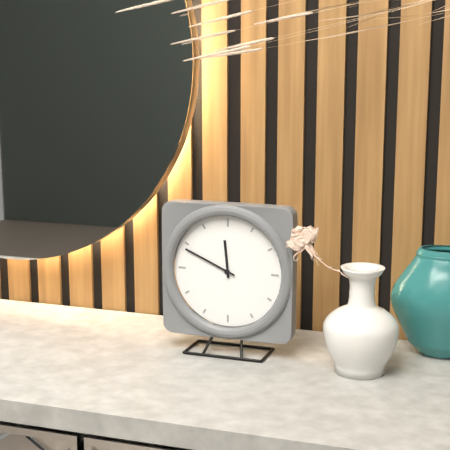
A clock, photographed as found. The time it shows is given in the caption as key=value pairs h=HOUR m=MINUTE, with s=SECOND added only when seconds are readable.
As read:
h=11 m=49
